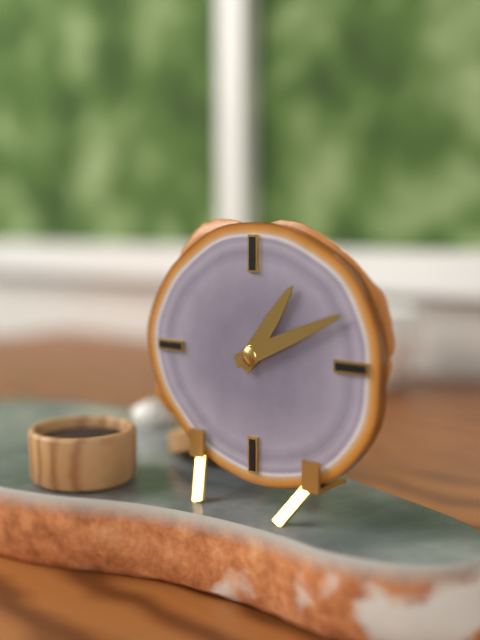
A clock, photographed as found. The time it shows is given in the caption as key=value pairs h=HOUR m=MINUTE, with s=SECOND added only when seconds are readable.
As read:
h=1 m=11
